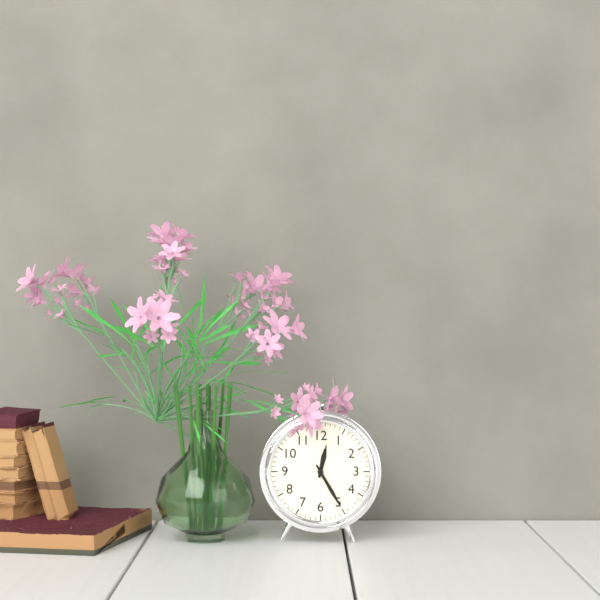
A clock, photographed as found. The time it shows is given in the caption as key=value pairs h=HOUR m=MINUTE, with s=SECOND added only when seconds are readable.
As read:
h=12 m=25
